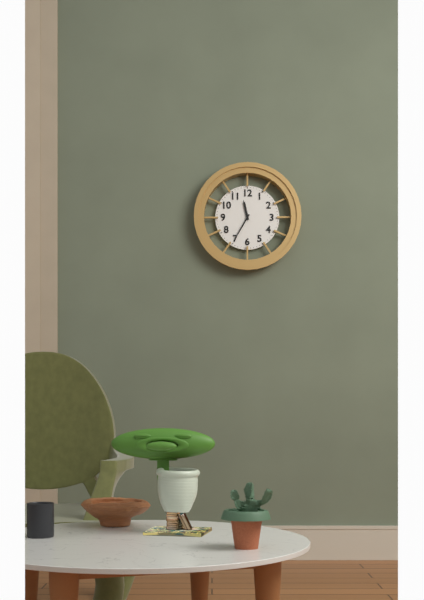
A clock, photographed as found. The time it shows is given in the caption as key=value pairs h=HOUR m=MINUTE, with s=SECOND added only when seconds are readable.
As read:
h=11 m=35
